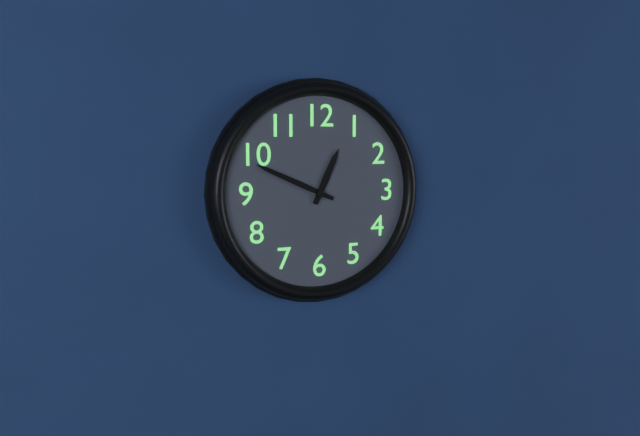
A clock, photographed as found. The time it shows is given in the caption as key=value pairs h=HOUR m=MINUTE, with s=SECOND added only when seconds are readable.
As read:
h=12 m=49
